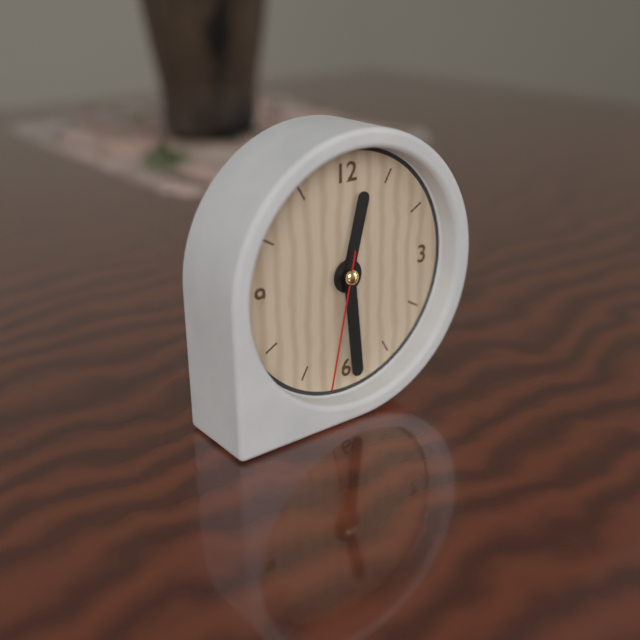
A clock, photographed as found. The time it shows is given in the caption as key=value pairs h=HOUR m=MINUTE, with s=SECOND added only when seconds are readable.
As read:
h=12 m=29 s=32
